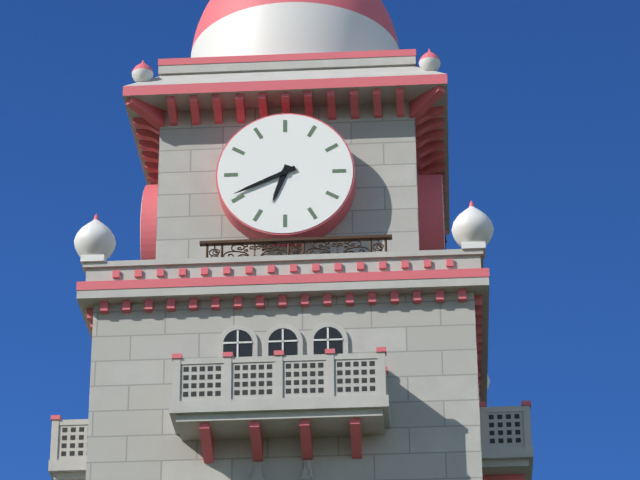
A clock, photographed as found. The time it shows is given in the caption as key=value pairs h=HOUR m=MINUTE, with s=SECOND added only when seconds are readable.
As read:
h=6 m=41
